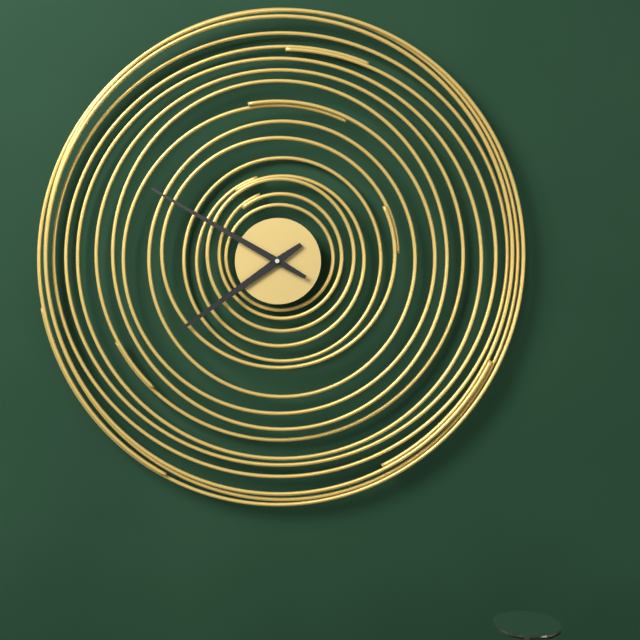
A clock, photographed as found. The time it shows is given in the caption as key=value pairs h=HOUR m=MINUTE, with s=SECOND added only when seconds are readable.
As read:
h=7 m=50
